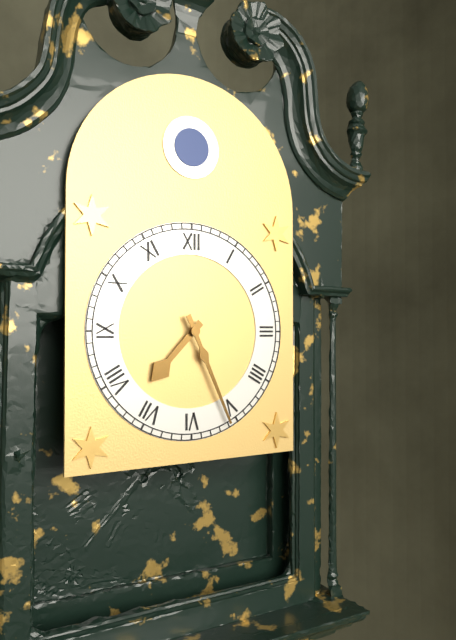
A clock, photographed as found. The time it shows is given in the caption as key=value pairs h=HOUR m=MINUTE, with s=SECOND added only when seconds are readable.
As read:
h=7 m=26
